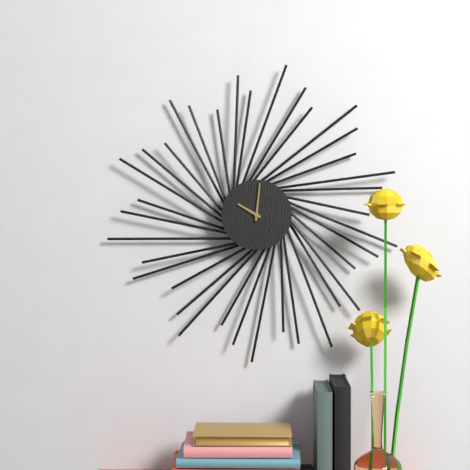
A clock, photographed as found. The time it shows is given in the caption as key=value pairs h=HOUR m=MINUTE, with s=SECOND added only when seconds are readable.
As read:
h=10 m=1
